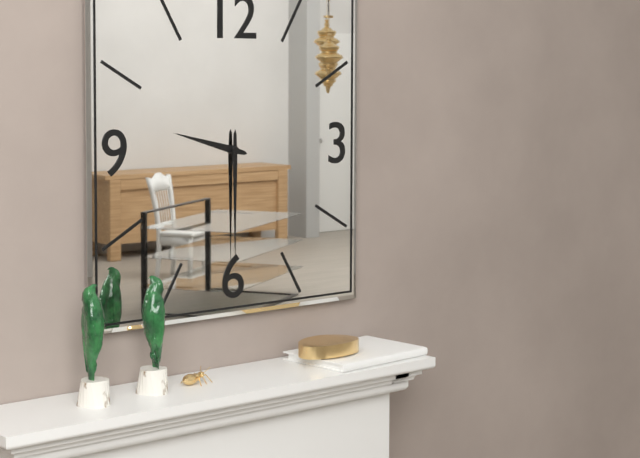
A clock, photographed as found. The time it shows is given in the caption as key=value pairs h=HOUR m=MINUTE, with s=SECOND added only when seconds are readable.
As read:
h=9 m=30
